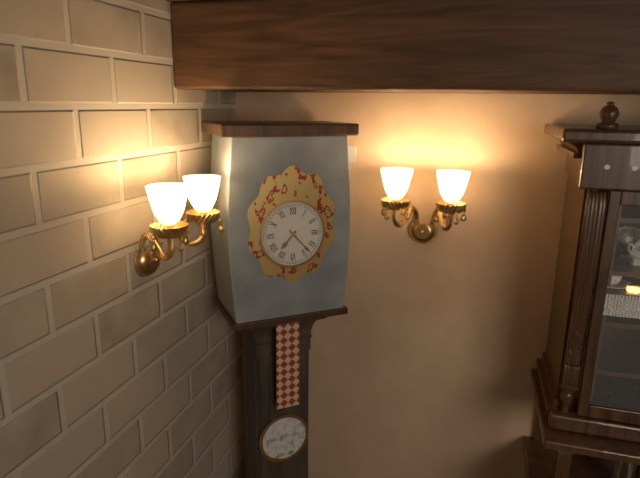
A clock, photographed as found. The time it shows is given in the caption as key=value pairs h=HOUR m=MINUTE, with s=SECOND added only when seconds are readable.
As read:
h=7 m=23
